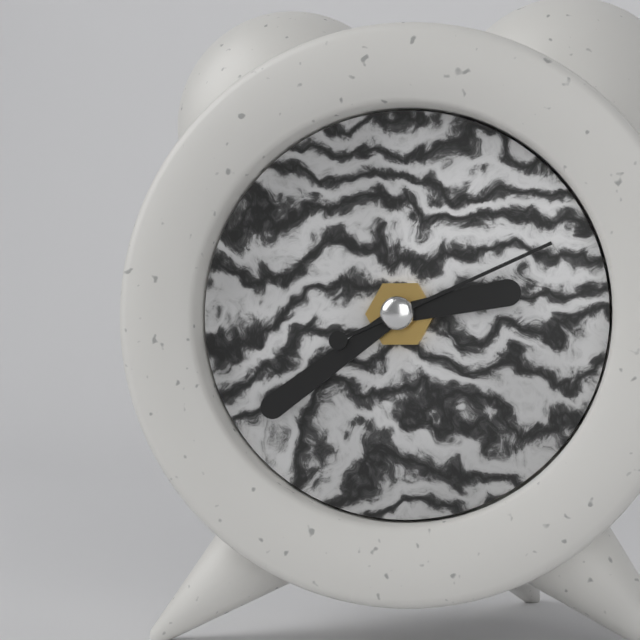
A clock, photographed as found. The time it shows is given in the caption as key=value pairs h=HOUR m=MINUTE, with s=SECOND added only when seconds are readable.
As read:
h=2 m=39 s=11
